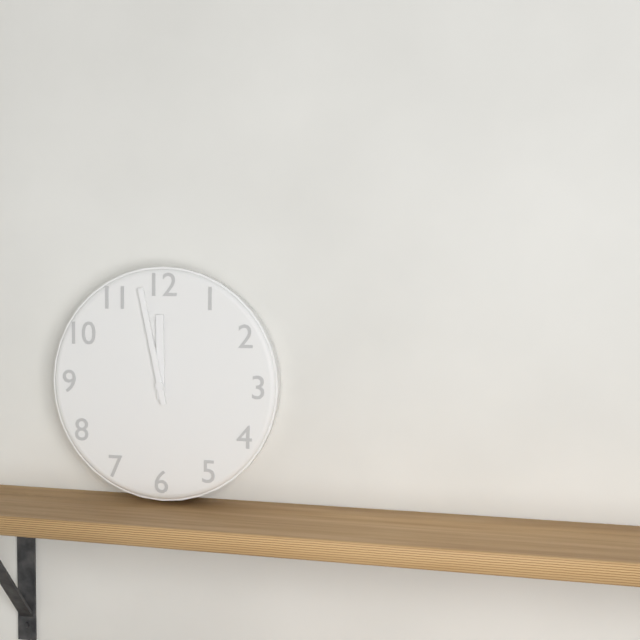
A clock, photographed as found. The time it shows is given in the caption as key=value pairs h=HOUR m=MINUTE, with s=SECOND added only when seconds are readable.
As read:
h=11 m=58
